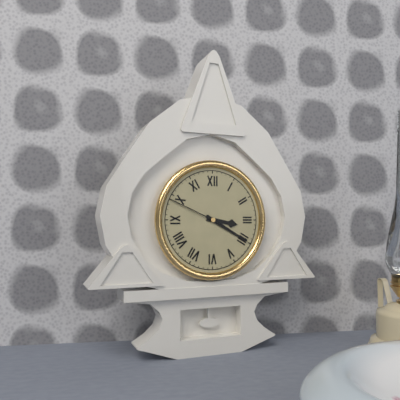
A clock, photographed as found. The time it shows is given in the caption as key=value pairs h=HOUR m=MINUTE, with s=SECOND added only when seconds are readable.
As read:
h=3 m=20 s=49
